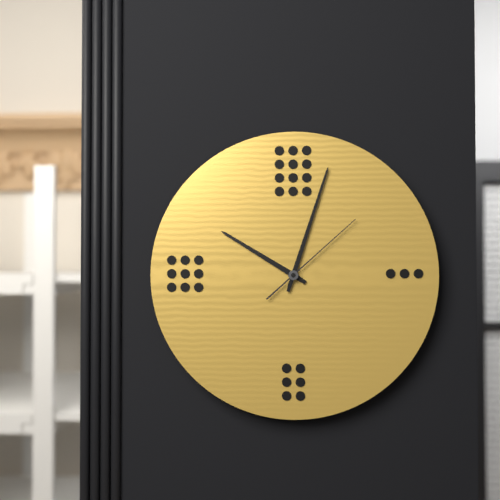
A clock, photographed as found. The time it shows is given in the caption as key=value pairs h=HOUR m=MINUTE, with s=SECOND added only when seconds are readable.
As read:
h=10 m=3 s=8
